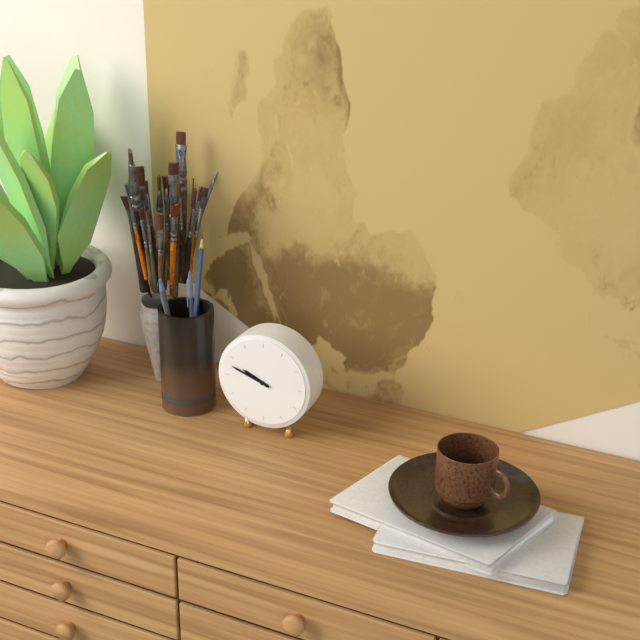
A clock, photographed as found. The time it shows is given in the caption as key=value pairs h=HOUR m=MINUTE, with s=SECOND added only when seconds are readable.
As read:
h=9 m=48
